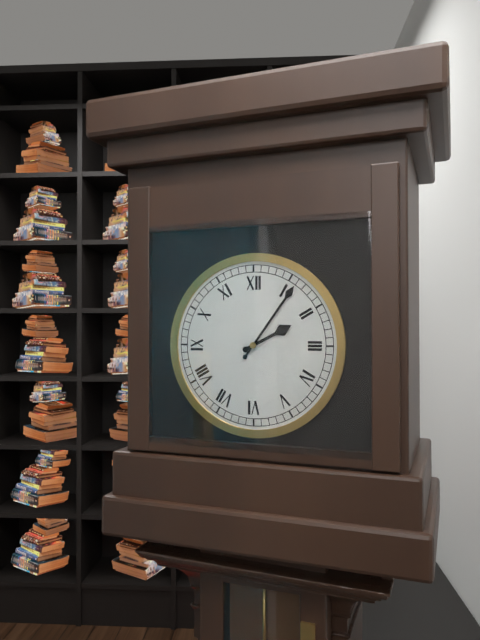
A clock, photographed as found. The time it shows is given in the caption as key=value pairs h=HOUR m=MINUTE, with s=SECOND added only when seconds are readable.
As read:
h=2 m=6
